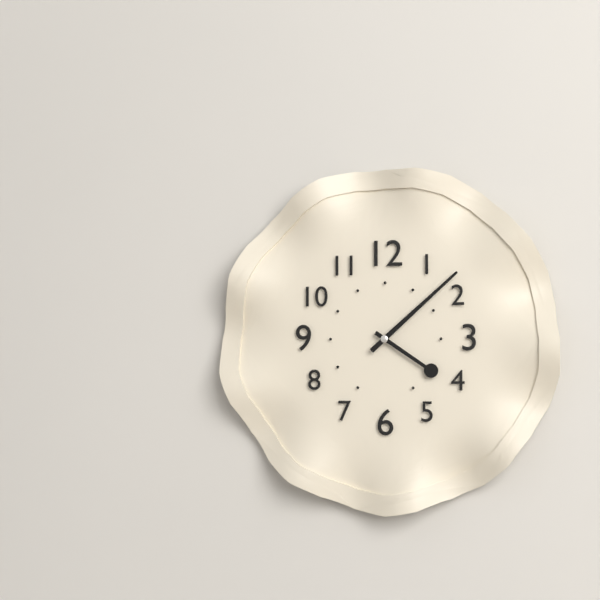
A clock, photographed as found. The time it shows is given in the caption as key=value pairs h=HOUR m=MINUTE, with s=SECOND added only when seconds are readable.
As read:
h=4 m=8
